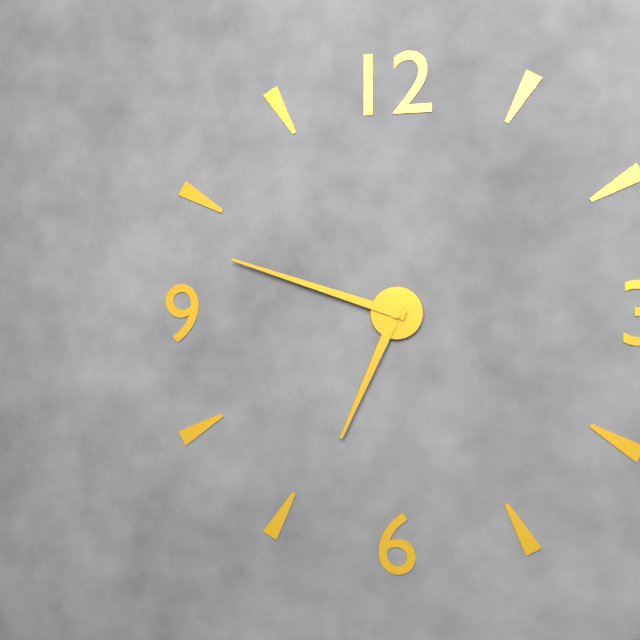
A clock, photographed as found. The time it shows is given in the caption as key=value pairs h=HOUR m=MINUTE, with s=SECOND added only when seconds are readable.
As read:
h=6 m=48
